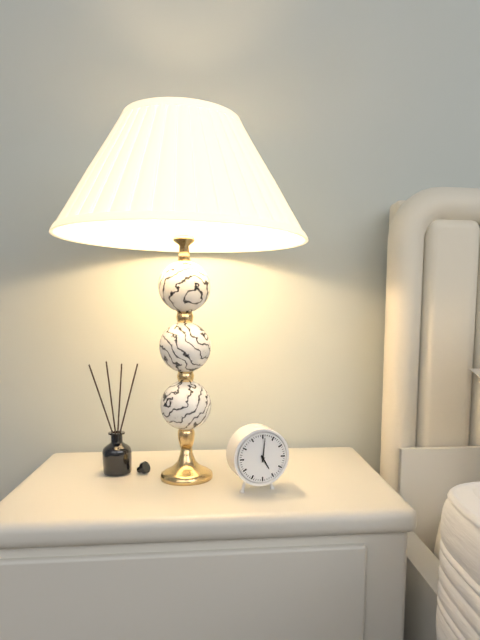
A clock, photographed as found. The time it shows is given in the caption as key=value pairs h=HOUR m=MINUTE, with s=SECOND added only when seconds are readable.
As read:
h=5 m=1
